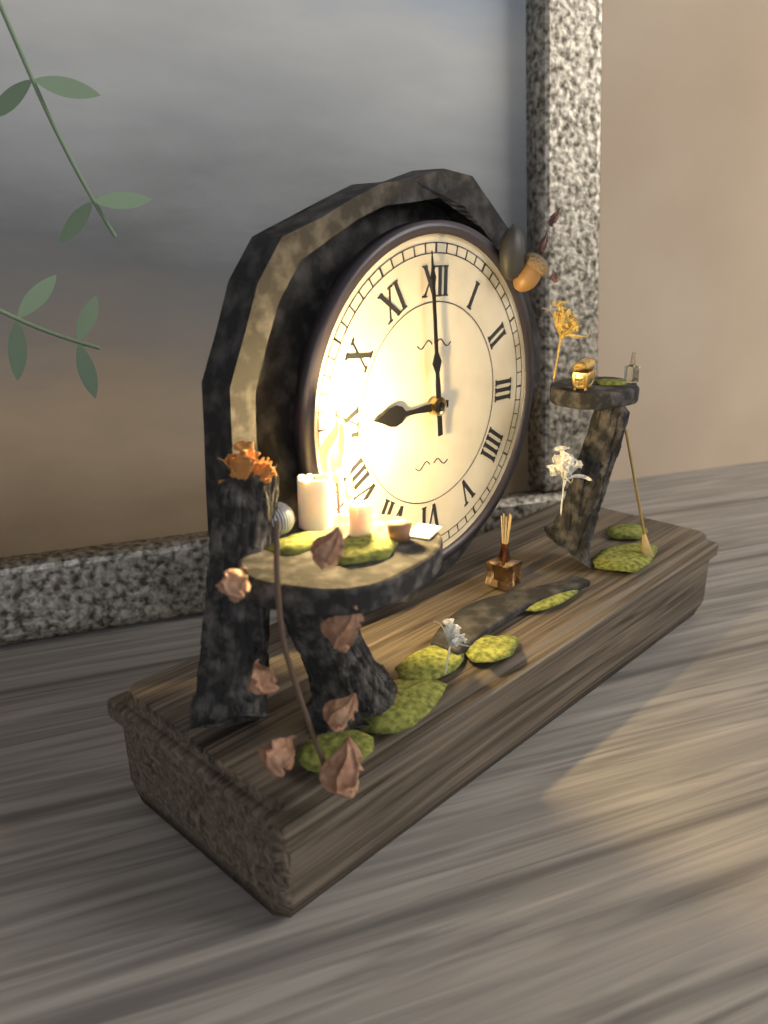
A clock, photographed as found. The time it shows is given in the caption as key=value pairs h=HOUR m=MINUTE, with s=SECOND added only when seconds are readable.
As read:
h=8 m=59
